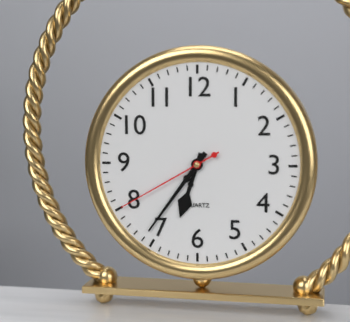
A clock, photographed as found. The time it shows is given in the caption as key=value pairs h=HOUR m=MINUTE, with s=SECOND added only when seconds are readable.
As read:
h=6 m=36 s=40
